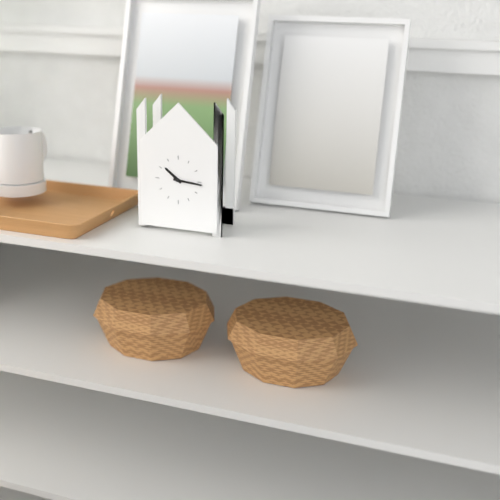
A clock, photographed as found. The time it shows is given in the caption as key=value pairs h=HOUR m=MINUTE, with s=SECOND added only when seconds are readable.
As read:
h=10 m=16
